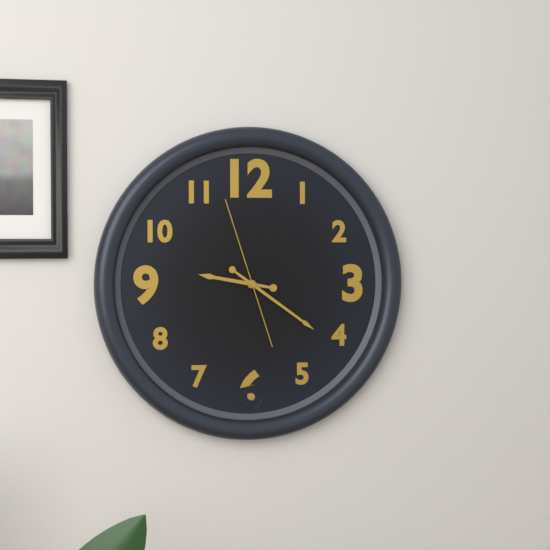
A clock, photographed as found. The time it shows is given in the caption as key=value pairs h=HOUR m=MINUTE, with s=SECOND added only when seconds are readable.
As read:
h=9 m=21 s=57
